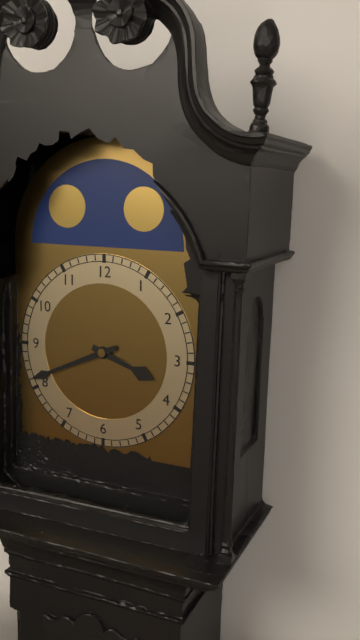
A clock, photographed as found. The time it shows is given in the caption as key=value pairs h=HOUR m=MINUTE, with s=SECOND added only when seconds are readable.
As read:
h=3 m=41
